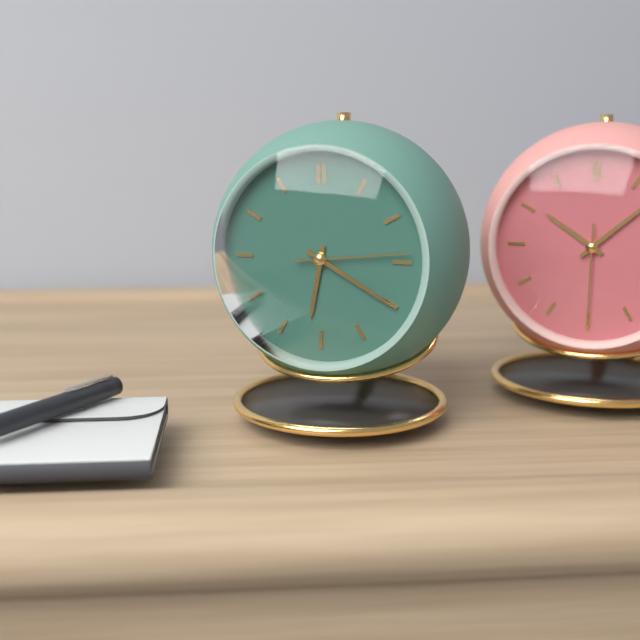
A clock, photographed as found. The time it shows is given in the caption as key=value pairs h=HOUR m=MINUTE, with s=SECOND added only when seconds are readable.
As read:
h=6 m=20 s=14
